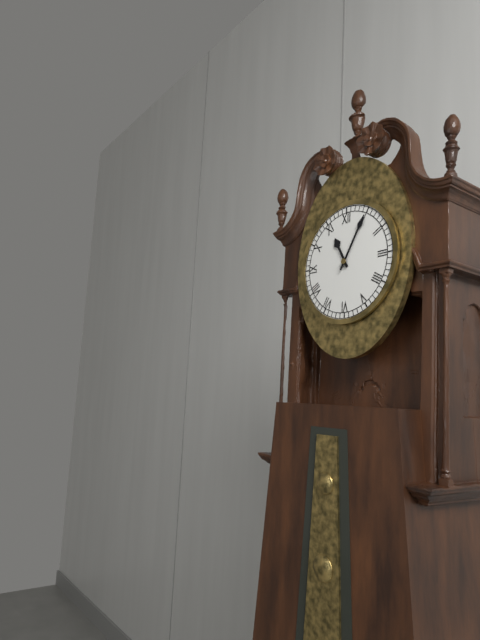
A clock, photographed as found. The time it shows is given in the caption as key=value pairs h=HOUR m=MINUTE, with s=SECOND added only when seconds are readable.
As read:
h=11 m=5
